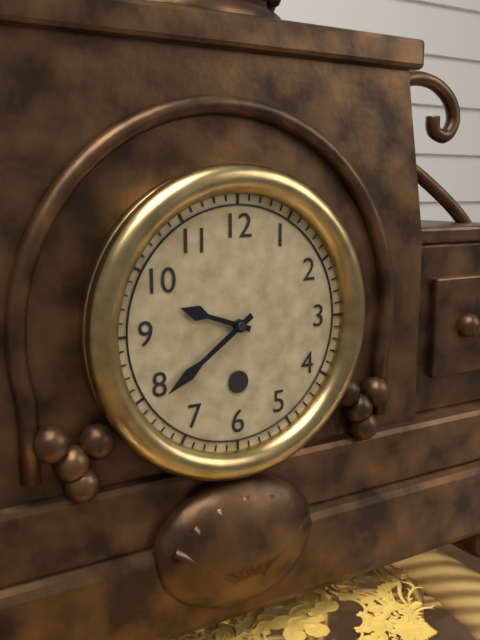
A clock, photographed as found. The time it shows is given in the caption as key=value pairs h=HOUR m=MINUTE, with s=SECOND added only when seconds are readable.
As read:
h=9 m=39
